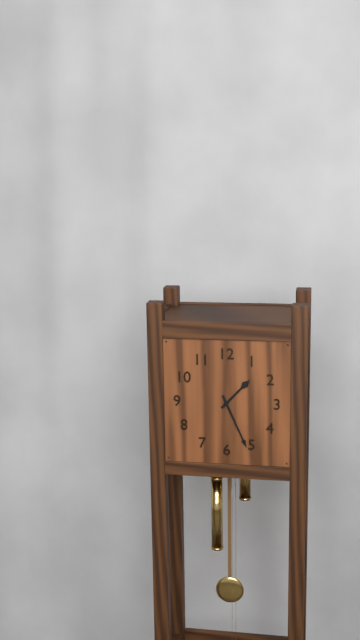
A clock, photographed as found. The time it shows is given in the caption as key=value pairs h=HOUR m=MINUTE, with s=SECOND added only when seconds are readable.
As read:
h=1 m=26
